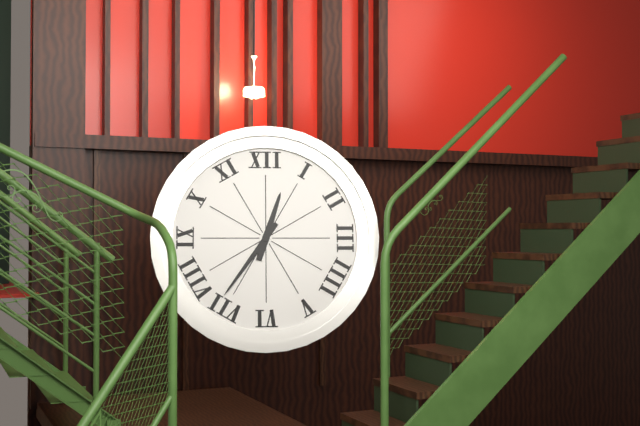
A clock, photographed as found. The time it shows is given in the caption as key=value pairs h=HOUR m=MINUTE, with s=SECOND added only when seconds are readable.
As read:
h=12 m=36
